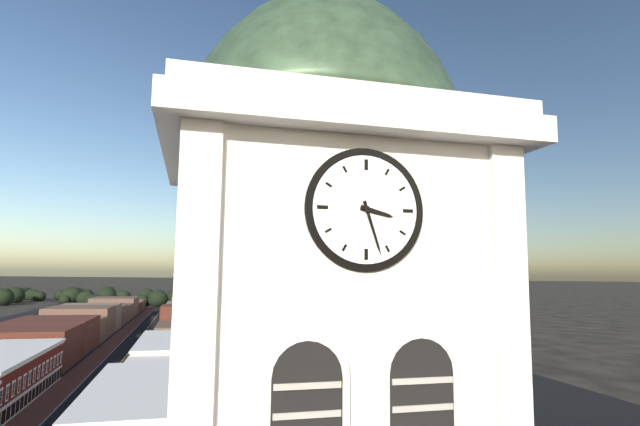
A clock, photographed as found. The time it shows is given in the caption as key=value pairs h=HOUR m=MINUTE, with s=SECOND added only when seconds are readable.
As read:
h=3 m=27
